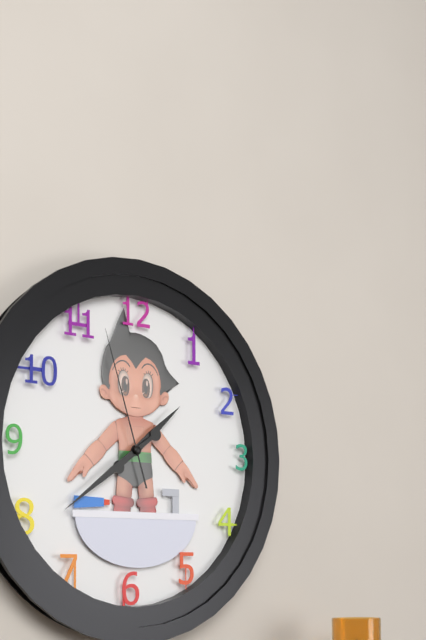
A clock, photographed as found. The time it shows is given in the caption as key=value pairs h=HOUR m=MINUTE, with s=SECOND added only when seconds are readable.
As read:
h=1 m=39 s=57
